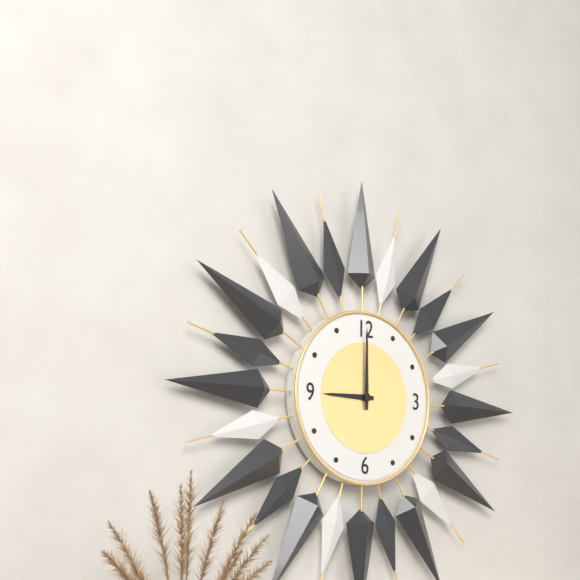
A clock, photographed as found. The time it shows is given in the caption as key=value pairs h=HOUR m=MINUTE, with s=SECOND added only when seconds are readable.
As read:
h=9 m=0
